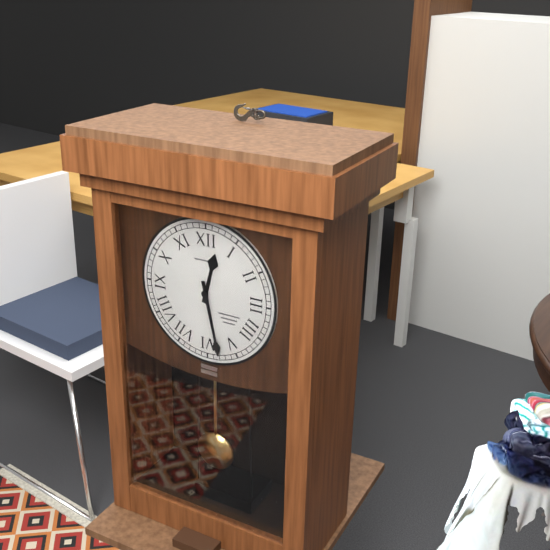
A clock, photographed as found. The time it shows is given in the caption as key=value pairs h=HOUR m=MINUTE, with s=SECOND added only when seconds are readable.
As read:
h=12 m=28
